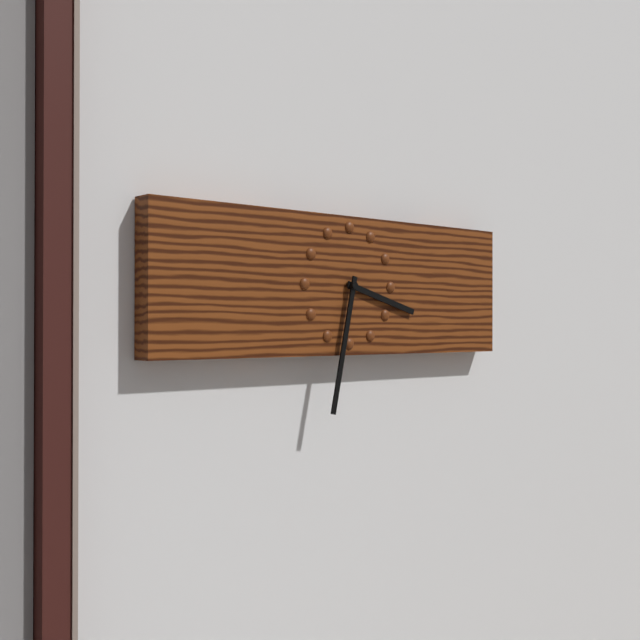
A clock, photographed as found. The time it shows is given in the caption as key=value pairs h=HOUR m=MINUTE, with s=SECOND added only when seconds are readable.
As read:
h=3 m=32
